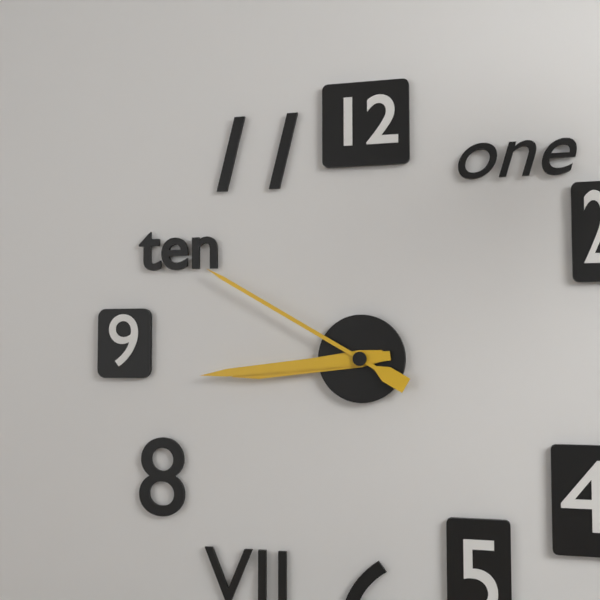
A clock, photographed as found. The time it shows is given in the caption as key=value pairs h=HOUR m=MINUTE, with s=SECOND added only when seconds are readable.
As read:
h=8 m=44 s=50
